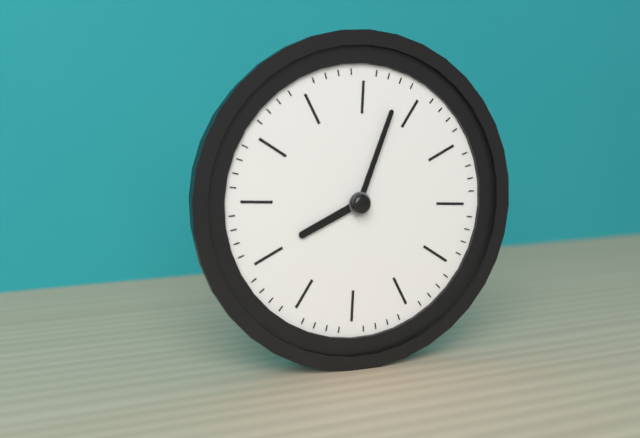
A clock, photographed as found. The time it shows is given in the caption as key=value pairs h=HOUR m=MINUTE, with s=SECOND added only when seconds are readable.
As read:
h=8 m=3
